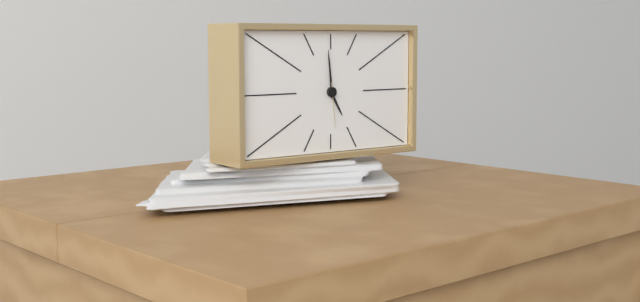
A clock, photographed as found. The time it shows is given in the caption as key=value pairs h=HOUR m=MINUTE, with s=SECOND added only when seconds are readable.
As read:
h=4 m=59
